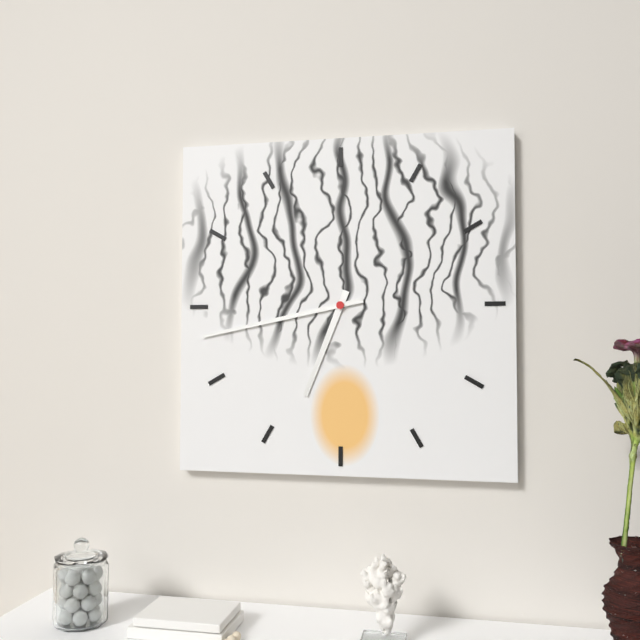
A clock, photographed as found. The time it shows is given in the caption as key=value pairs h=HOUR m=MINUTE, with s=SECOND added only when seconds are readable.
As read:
h=6 m=43
